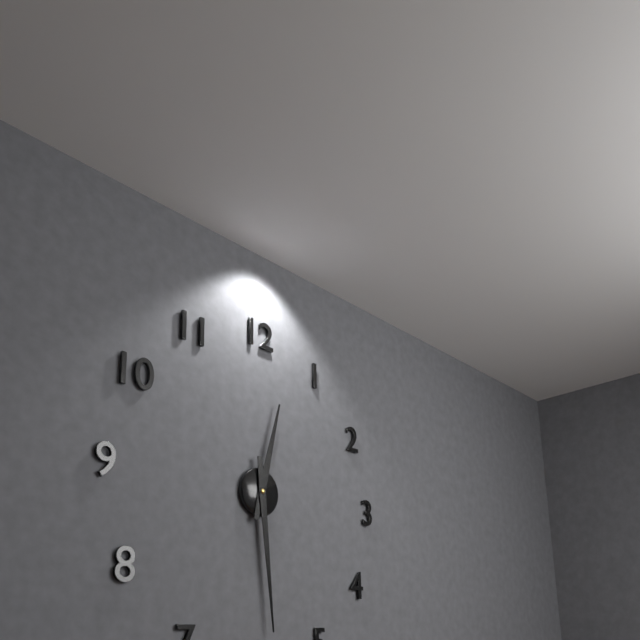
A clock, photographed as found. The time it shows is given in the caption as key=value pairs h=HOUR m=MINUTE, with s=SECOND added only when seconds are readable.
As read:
h=12 m=29
